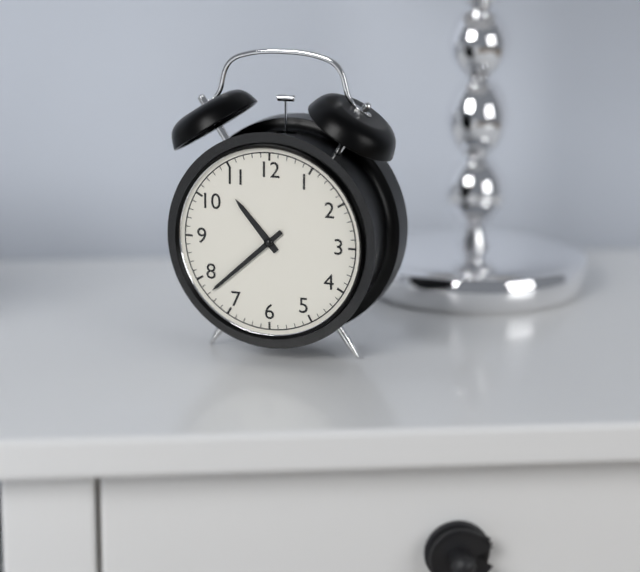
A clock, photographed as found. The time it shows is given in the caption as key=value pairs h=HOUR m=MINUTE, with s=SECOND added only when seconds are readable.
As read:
h=10 m=38
